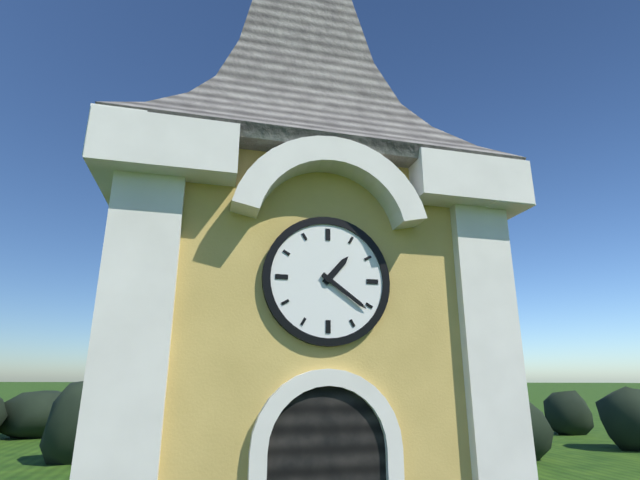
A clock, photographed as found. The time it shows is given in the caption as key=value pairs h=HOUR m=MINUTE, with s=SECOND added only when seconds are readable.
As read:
h=1 m=21
